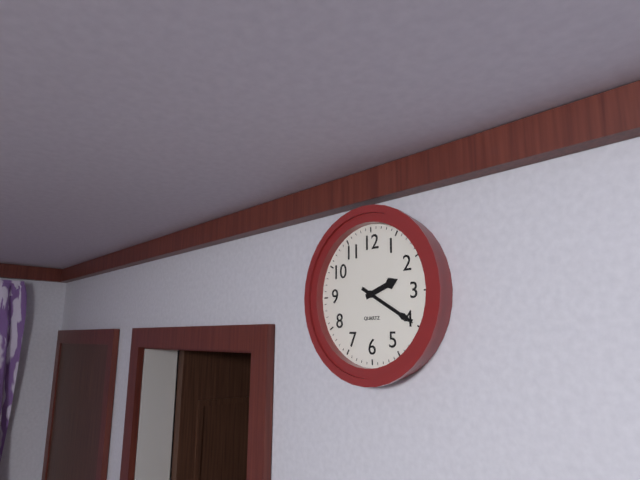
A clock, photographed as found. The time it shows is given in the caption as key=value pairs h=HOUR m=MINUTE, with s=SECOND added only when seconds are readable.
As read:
h=2 m=20
